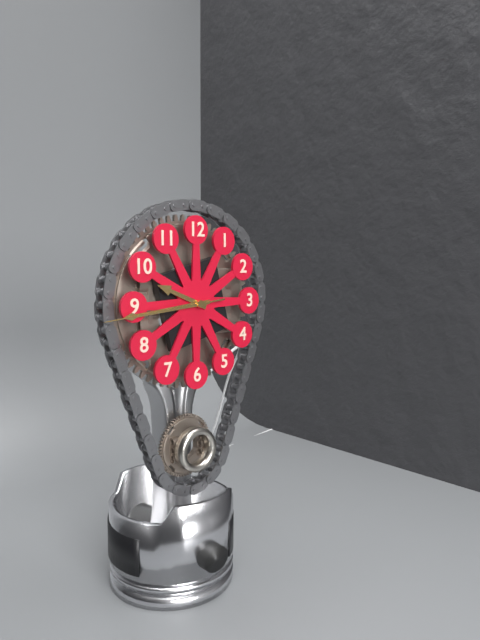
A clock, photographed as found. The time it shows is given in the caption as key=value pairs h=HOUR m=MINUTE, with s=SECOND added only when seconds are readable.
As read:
h=9 m=44 s=44
